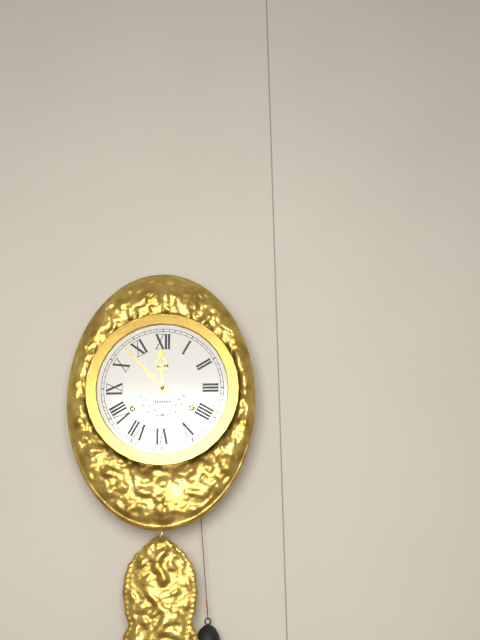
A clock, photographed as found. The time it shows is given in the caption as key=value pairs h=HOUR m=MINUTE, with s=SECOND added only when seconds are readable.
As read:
h=11 m=53
